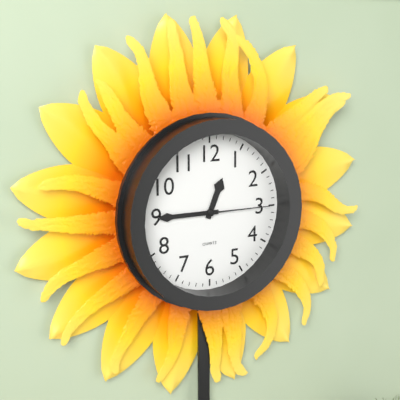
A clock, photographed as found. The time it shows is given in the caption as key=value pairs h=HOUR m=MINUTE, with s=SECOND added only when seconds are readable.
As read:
h=12 m=45 s=15
